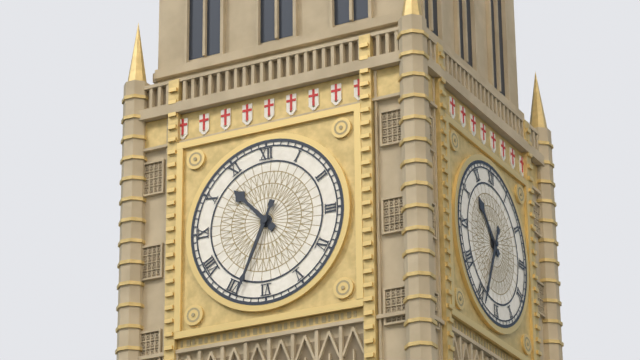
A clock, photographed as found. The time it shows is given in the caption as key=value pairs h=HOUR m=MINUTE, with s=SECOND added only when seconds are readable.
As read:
h=10 m=34
